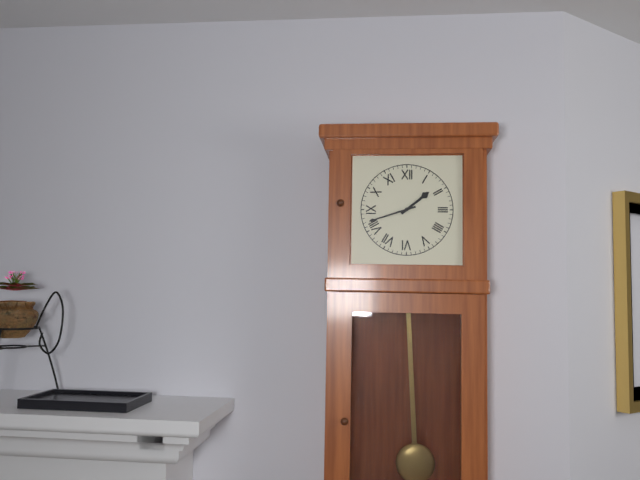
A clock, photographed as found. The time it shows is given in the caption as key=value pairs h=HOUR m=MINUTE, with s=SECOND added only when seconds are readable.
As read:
h=1 m=42
